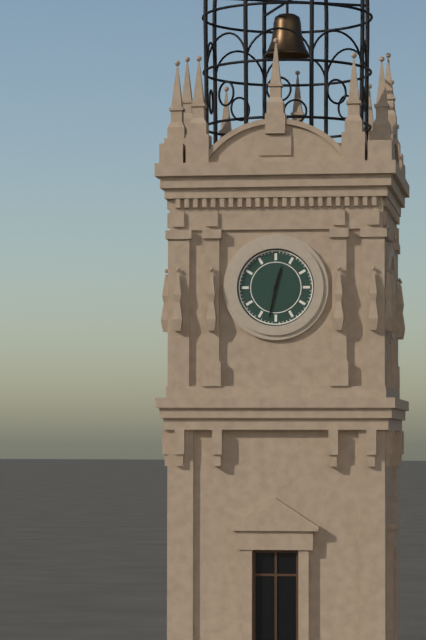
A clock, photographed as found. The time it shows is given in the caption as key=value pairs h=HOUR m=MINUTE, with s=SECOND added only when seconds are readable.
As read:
h=12 m=32
